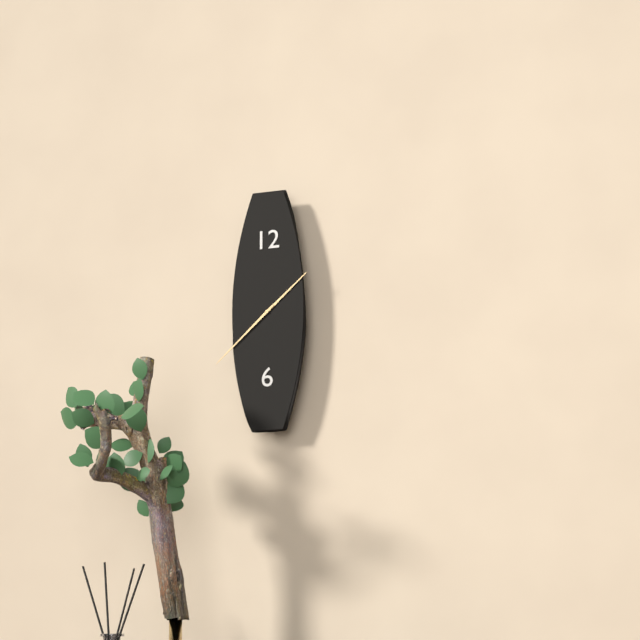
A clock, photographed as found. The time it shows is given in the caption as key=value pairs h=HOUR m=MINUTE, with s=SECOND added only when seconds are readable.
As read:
h=1 m=38
